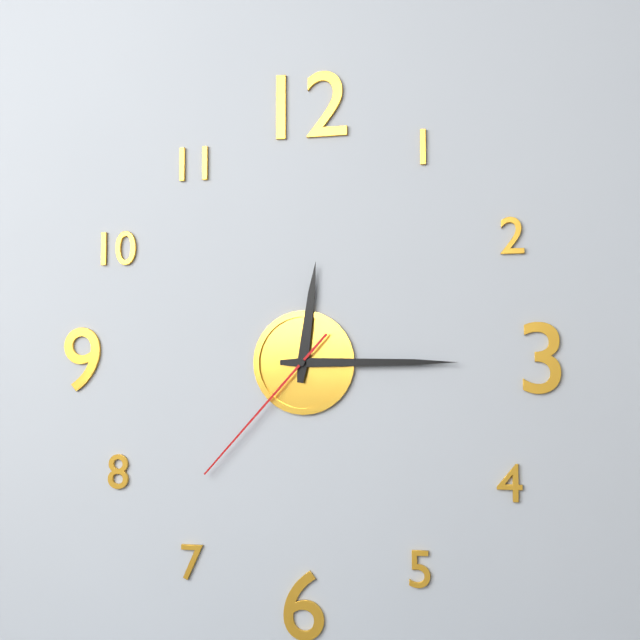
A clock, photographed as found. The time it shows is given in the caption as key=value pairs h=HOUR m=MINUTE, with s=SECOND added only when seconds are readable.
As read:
h=12 m=15 s=37
